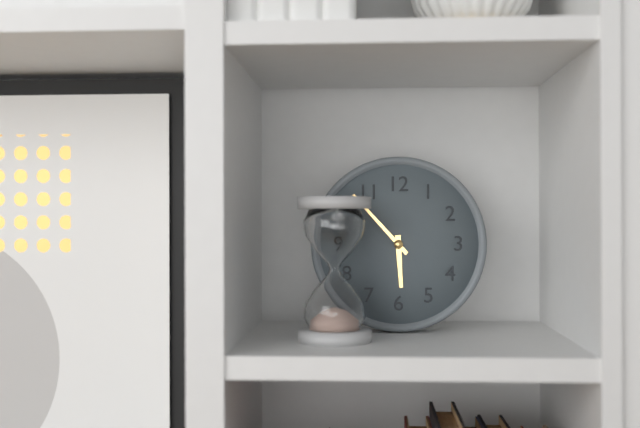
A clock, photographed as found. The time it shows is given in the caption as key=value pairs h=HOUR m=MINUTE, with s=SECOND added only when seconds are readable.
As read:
h=5 m=53
